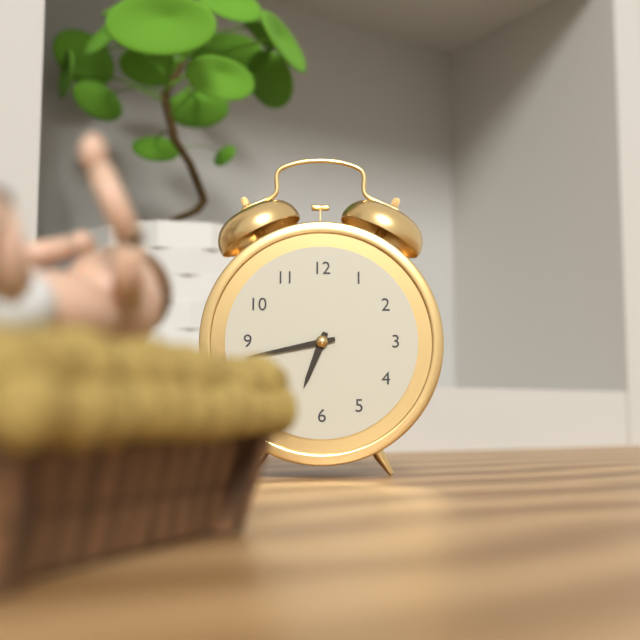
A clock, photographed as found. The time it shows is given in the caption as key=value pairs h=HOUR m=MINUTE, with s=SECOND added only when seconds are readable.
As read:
h=6 m=43
